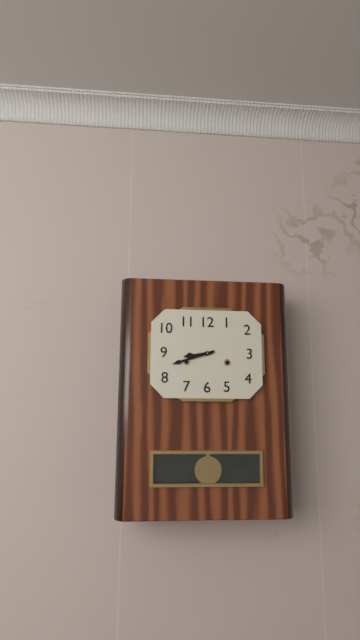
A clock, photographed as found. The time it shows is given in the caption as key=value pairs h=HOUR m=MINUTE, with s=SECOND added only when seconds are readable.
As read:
h=8 m=42
